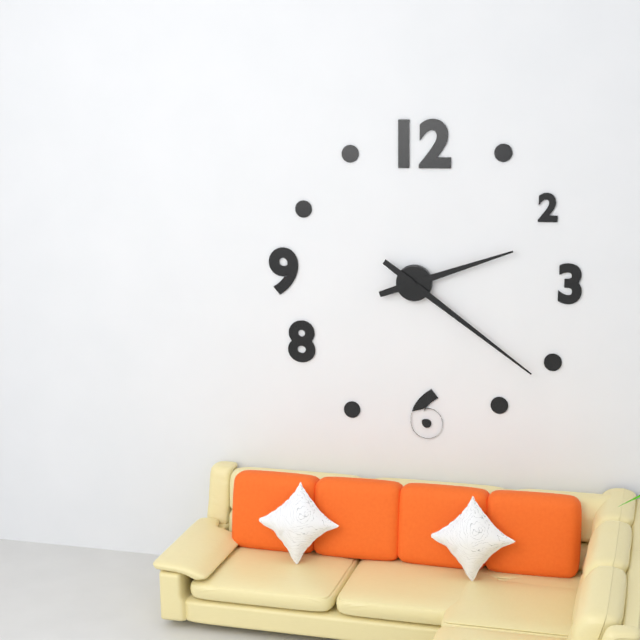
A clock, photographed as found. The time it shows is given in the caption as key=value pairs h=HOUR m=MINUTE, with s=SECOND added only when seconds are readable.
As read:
h=2 m=21
